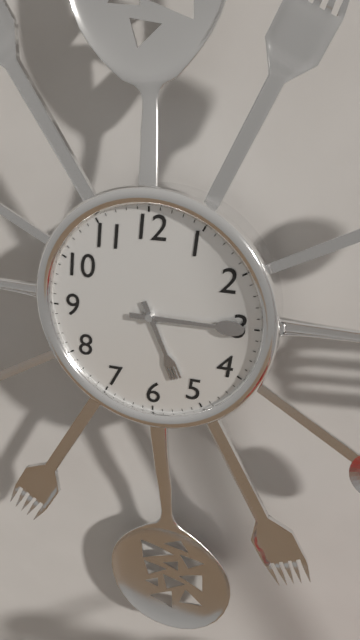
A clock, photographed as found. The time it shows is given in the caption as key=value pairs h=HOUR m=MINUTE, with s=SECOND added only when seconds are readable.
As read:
h=5 m=15
